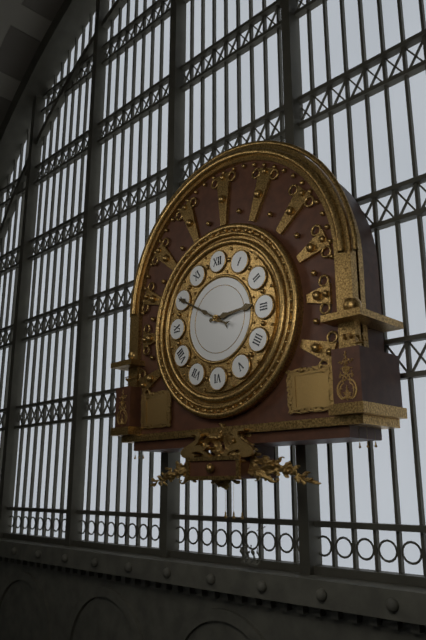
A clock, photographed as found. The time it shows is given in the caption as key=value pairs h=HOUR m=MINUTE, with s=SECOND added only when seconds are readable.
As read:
h=2 m=50
